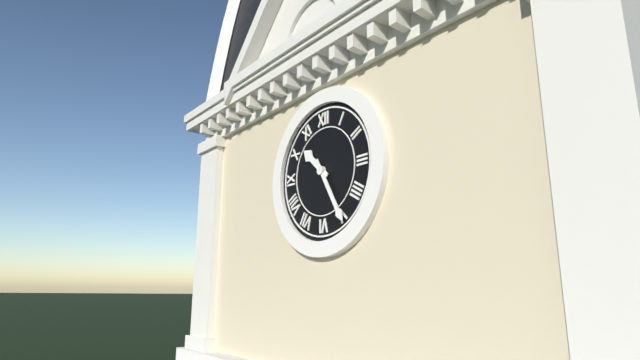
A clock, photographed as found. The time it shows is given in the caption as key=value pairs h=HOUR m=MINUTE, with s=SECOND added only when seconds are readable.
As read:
h=10 m=25
